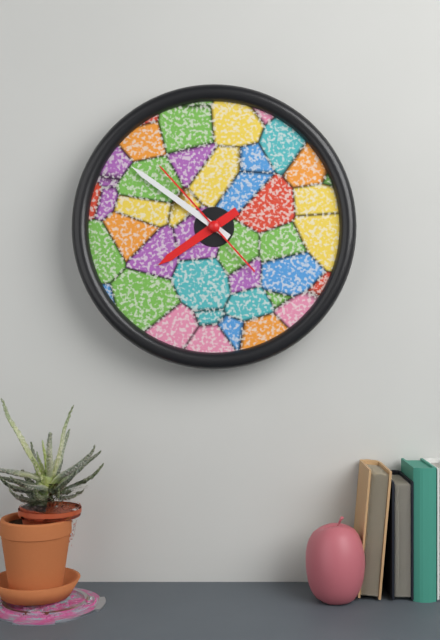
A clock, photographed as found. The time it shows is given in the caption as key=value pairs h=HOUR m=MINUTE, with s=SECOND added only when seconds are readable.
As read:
h=7 m=51 s=53
